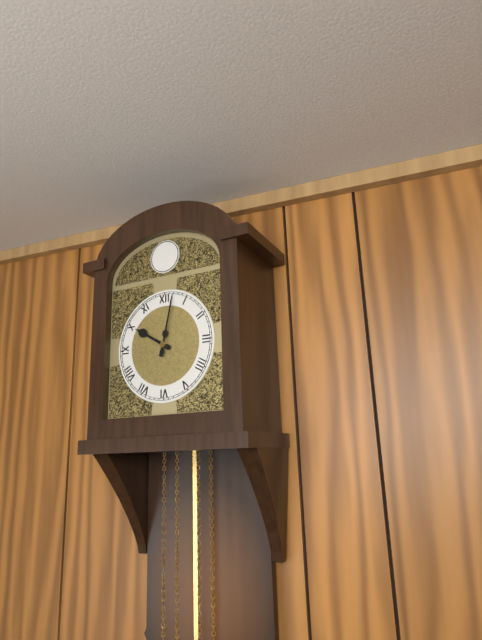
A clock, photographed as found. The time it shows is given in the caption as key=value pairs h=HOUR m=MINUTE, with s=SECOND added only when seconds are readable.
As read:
h=10 m=2
